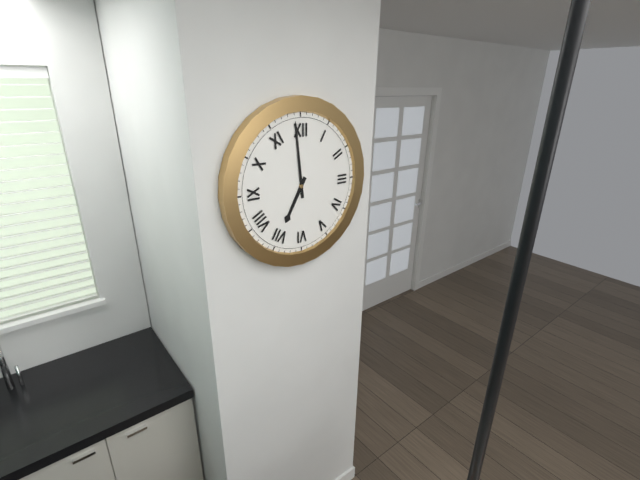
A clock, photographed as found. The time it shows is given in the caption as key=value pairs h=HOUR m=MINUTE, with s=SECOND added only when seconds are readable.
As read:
h=6 m=59
